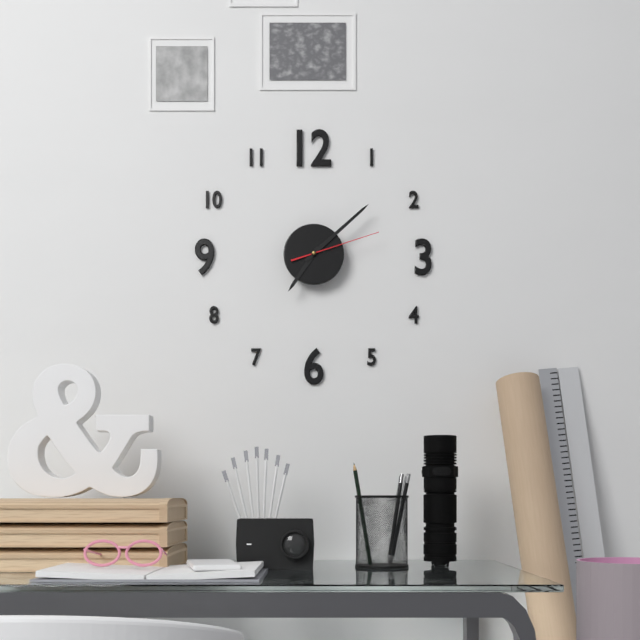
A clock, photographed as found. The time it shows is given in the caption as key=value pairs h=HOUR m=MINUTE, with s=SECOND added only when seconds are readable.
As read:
h=7 m=8 s=12
